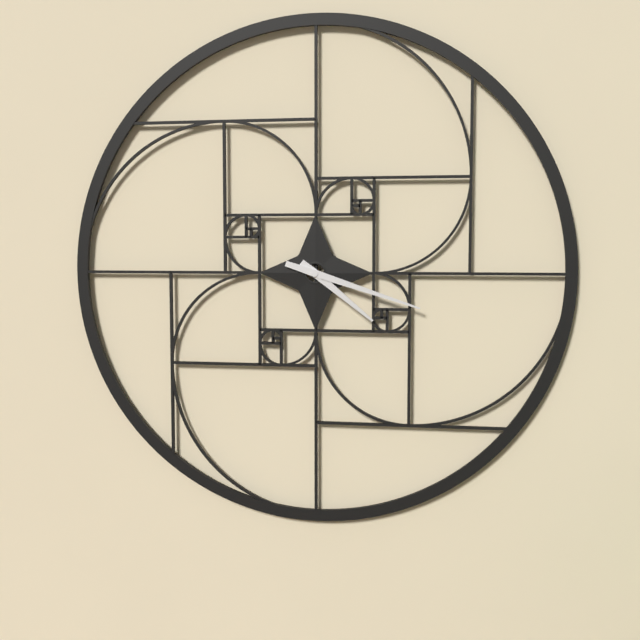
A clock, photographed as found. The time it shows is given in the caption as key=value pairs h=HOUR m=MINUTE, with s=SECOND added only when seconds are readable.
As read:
h=4 m=18
